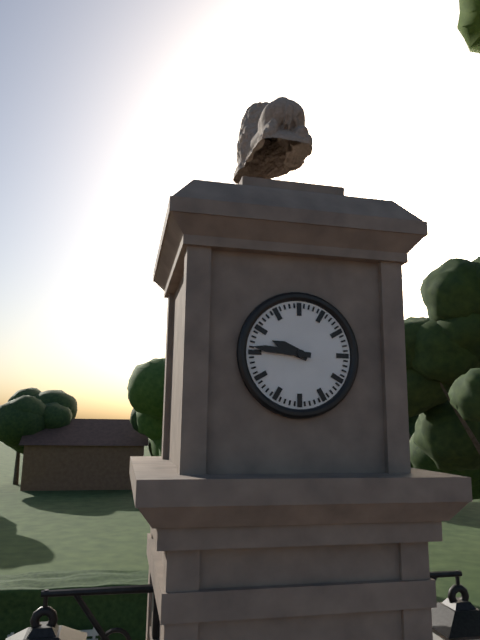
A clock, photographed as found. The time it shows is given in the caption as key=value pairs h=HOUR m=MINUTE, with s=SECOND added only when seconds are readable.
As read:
h=9 m=46
